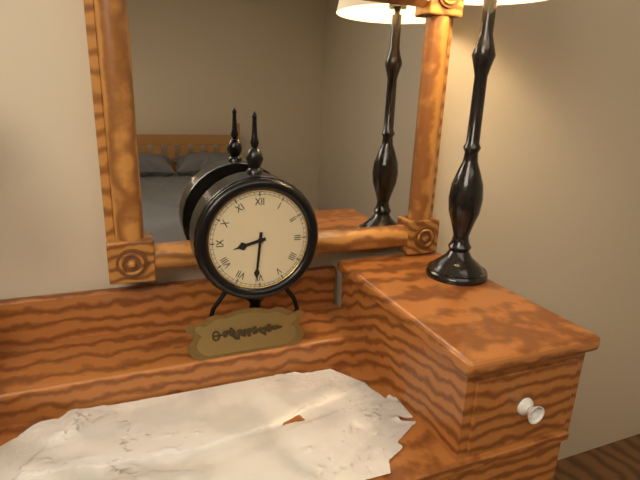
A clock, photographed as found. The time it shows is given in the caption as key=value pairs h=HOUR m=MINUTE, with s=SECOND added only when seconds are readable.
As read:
h=8 m=31
